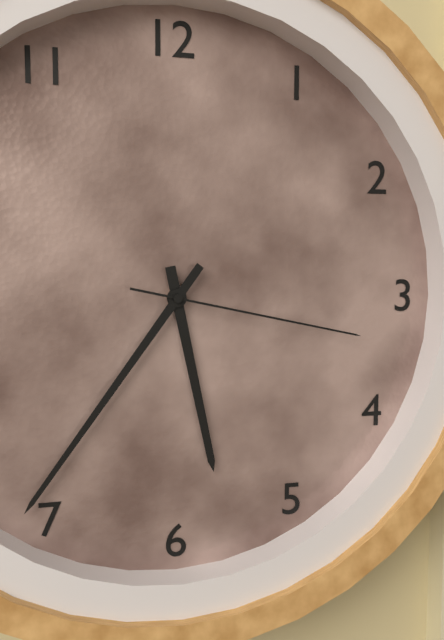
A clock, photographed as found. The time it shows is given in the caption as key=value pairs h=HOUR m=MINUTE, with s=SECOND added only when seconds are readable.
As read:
h=5 m=36 s=17
